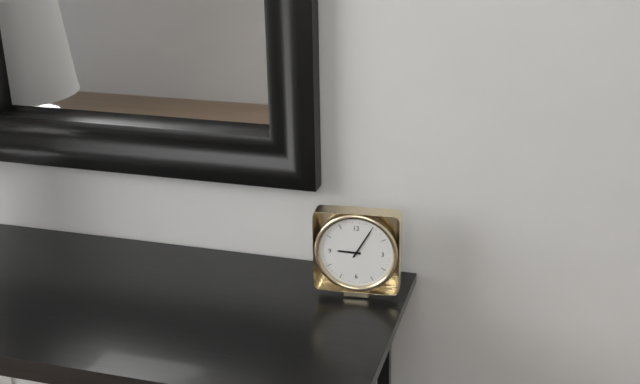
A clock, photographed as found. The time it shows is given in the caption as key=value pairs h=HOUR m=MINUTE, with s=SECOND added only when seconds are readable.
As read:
h=9 m=5
